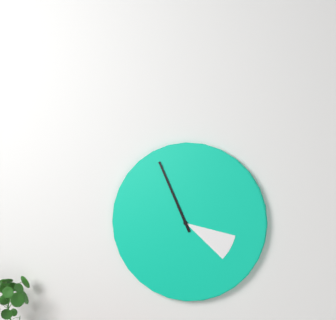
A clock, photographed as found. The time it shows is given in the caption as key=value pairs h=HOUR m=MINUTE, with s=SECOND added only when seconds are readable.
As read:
h=3 m=56
